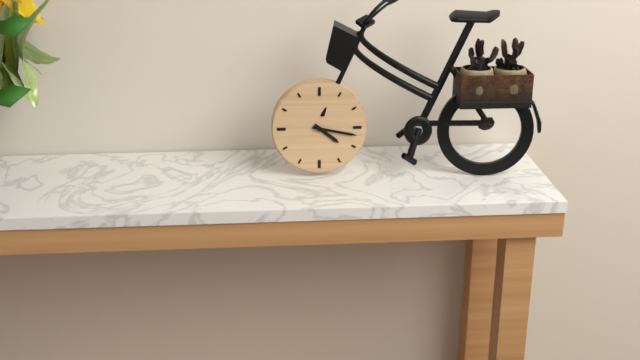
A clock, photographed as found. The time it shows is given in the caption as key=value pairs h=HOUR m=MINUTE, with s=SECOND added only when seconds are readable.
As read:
h=4 m=17
